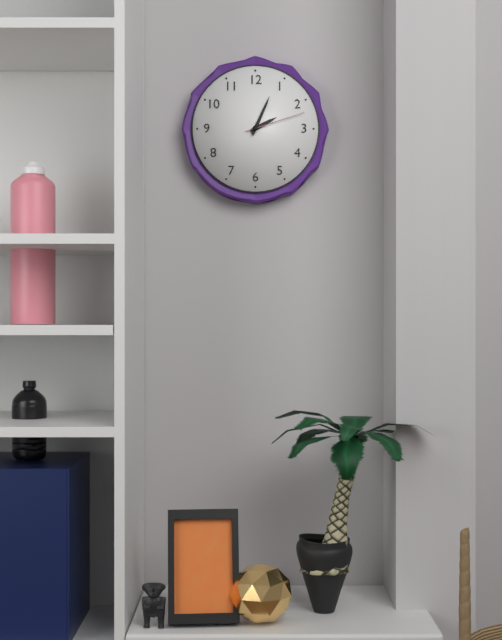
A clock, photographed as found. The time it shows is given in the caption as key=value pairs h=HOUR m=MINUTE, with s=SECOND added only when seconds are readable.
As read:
h=2 m=4 s=12
